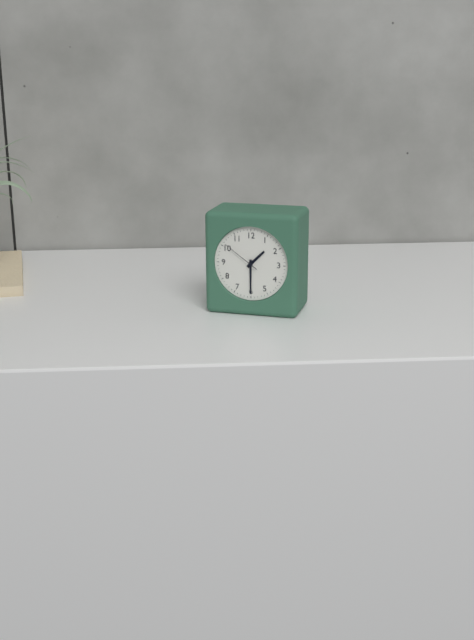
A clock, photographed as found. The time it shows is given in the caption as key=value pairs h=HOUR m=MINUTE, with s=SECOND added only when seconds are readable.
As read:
h=1 m=30
